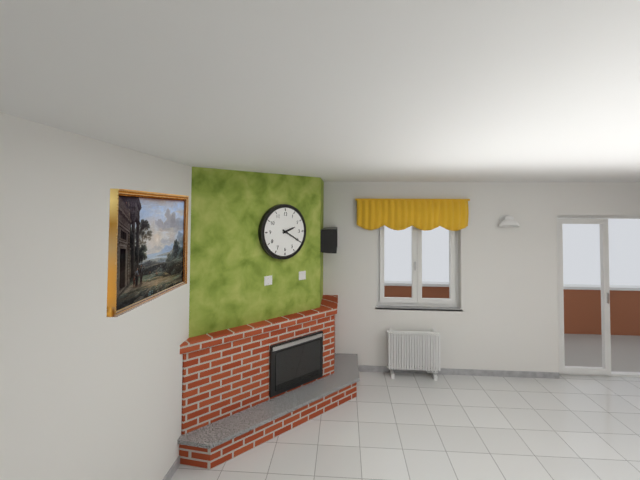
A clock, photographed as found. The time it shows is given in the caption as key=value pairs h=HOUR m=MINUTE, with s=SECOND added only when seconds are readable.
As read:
h=2 m=20
